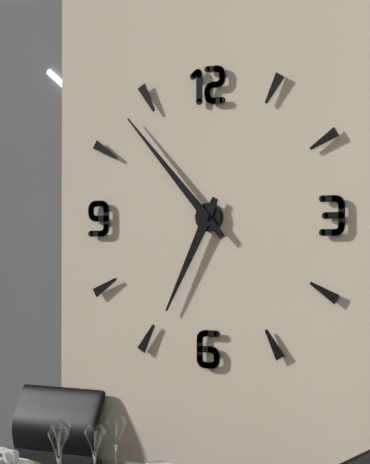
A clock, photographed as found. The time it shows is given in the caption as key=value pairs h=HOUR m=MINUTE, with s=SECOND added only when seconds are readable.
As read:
h=6 m=53
